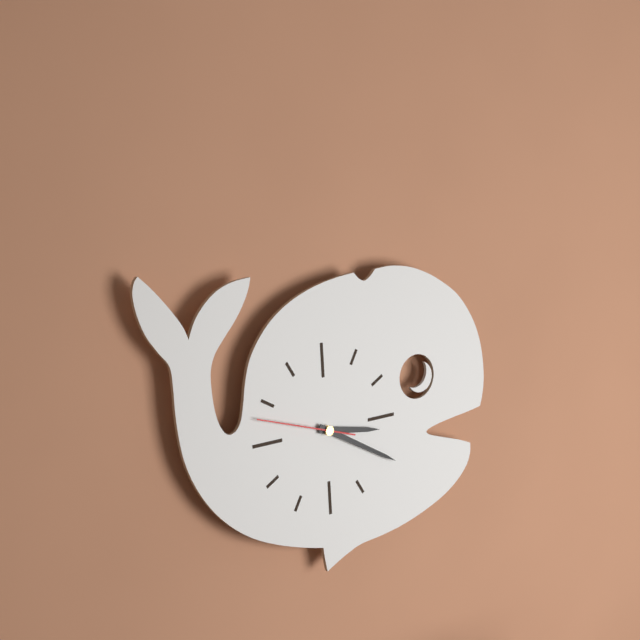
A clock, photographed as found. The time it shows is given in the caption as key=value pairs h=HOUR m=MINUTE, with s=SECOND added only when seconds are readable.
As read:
h=3 m=20 s=48
